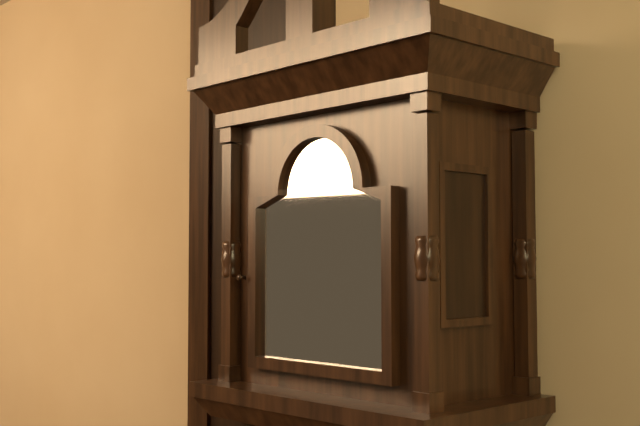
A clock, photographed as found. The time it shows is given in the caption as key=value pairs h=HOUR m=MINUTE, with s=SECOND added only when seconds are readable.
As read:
h=2 m=52
